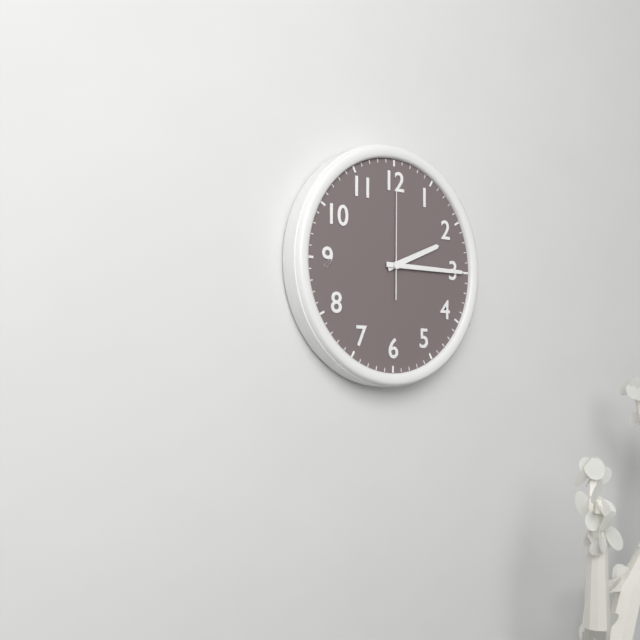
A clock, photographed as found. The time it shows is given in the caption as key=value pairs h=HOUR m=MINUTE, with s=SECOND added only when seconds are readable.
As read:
h=2 m=15 s=0
